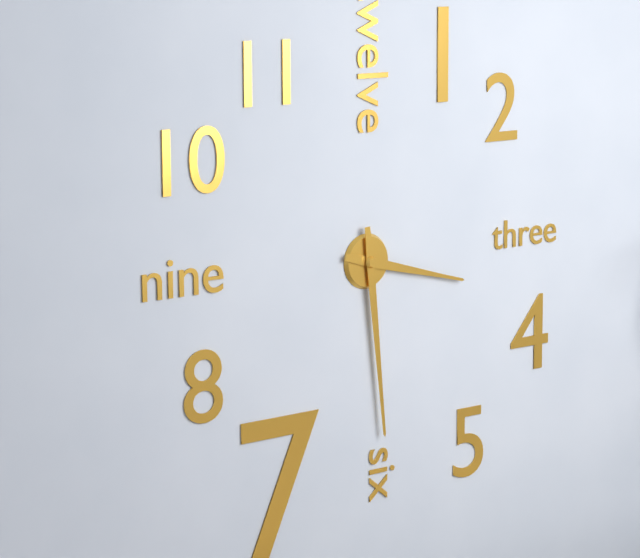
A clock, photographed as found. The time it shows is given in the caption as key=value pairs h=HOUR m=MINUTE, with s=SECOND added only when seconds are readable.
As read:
h=3 m=29
